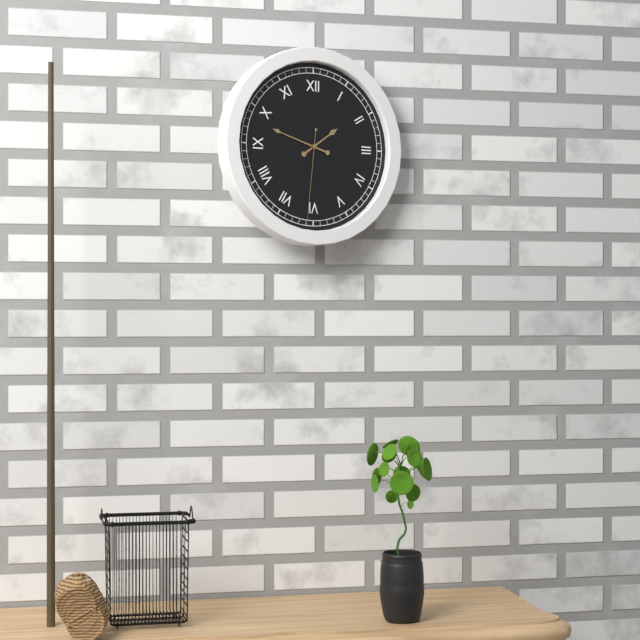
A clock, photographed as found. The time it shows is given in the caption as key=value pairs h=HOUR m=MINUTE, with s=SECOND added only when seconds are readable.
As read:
h=1 m=48 s=31
